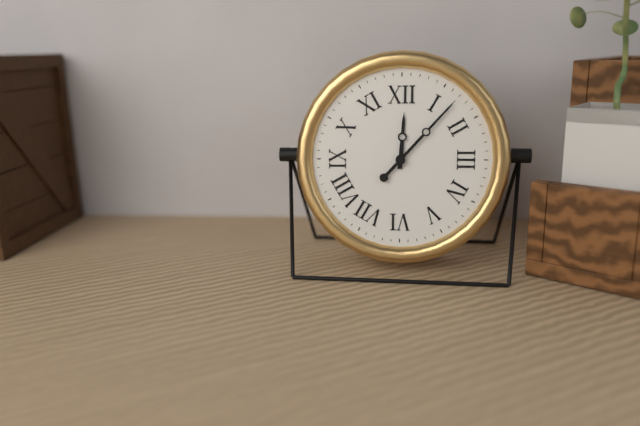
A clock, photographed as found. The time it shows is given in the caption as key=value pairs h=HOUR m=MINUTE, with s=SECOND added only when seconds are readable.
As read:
h=12 m=7
